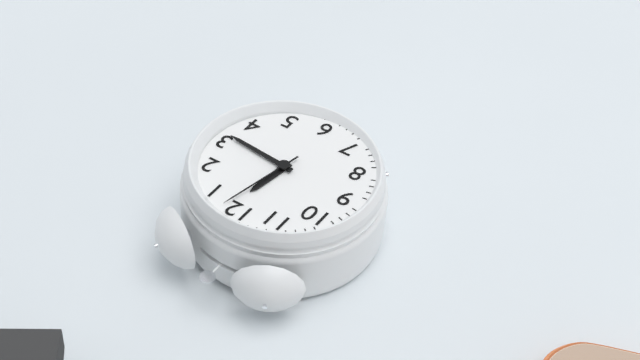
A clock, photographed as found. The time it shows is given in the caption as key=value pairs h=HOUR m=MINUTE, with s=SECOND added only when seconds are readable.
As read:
h=12 m=16 s=2
